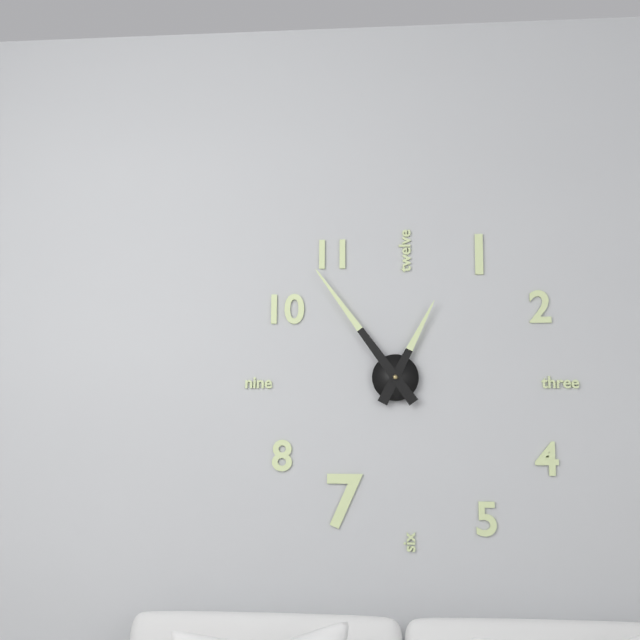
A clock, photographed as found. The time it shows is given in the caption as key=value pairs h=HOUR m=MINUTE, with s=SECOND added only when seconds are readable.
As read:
h=12 m=54
